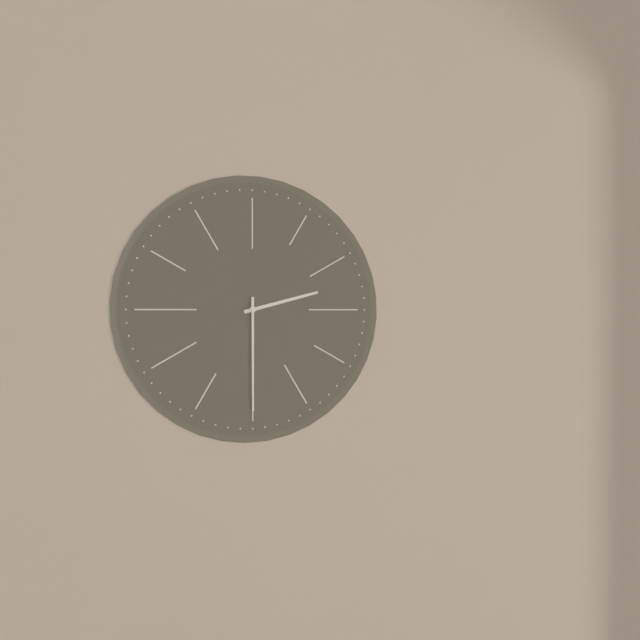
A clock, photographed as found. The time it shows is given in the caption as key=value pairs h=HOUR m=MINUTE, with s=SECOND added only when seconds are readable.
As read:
h=2 m=30
